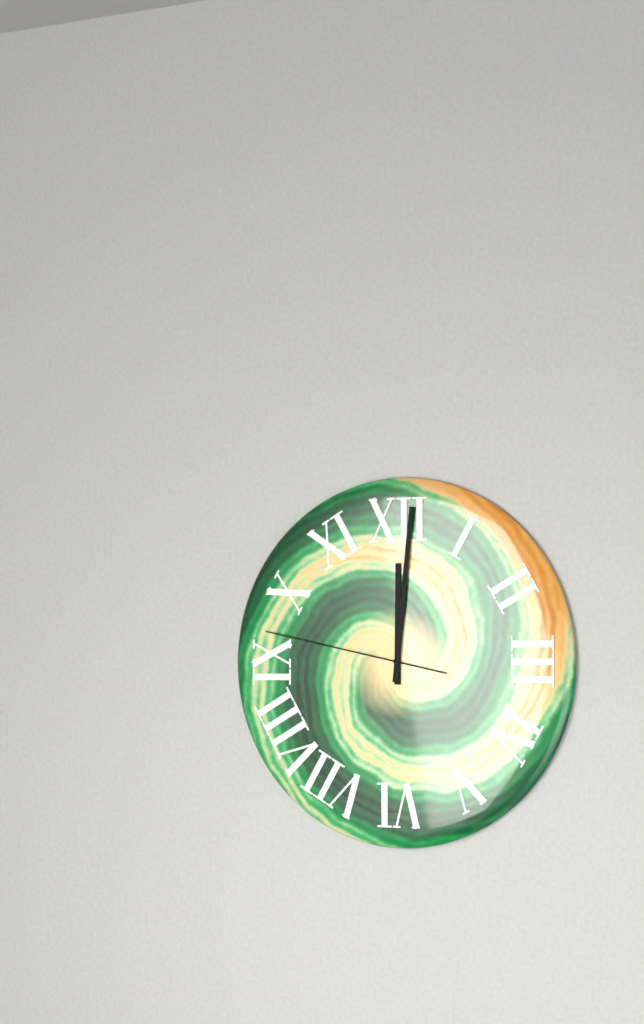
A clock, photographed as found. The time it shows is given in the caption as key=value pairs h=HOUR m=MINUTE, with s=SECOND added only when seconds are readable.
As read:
h=12 m=1 s=47
